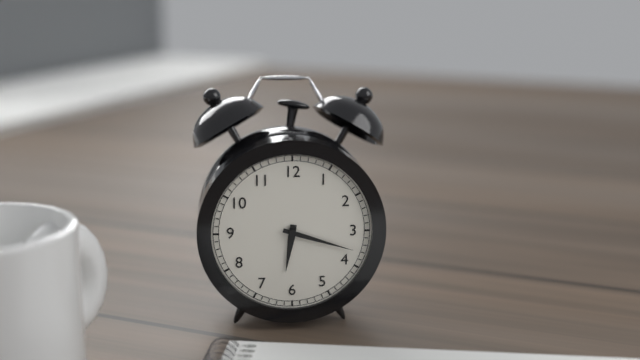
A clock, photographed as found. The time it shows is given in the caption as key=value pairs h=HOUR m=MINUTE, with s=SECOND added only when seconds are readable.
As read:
h=6 m=18
